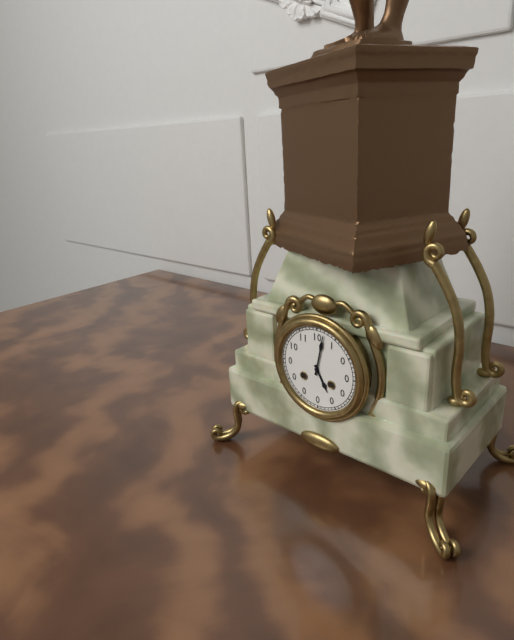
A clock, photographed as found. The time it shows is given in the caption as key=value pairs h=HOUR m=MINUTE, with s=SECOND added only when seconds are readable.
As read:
h=5 m=2
